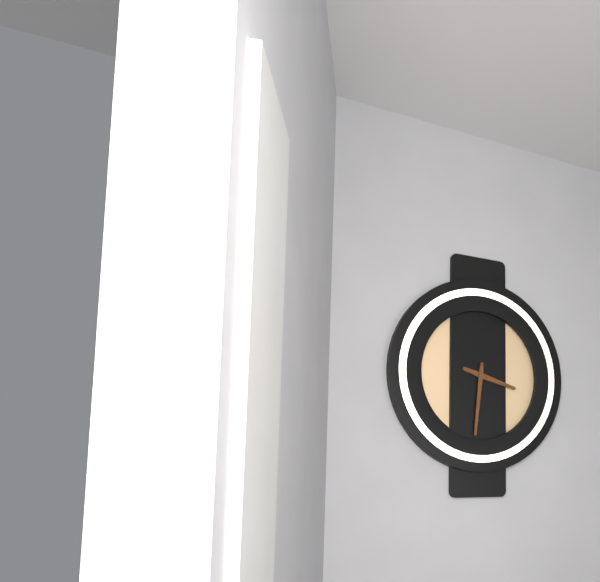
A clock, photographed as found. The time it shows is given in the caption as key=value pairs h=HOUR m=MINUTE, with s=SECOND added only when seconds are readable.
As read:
h=3 m=31
